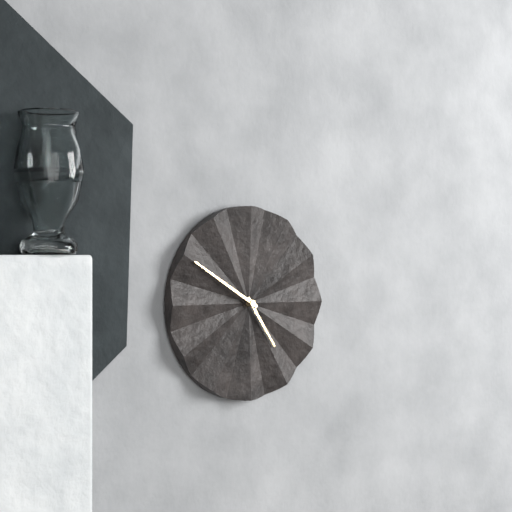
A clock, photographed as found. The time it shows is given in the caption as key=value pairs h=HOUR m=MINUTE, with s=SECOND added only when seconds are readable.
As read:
h=4 m=50
